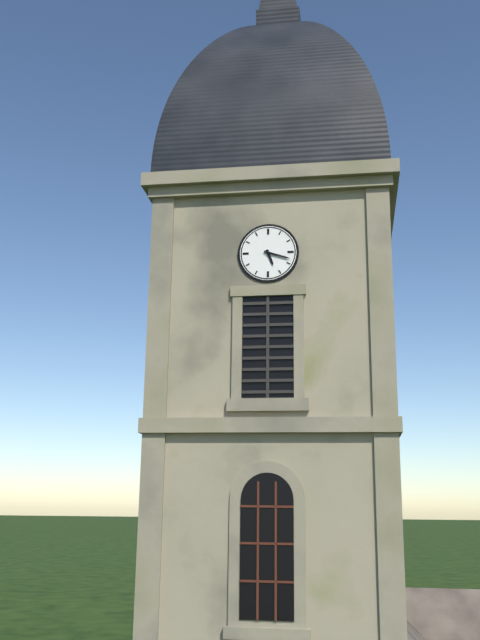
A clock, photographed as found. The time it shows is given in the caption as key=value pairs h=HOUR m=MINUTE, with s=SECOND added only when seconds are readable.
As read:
h=5 m=18
